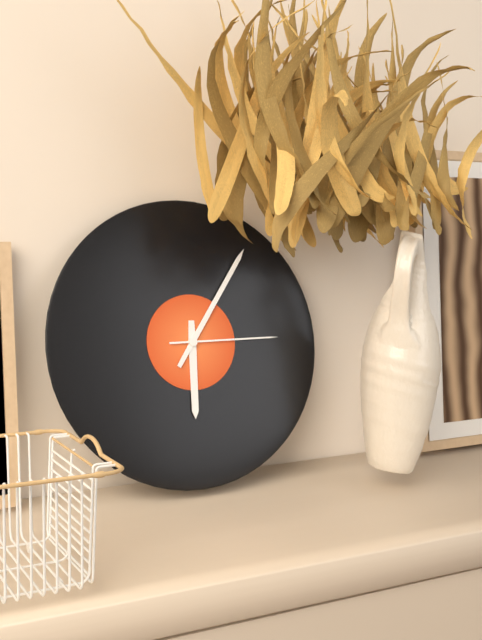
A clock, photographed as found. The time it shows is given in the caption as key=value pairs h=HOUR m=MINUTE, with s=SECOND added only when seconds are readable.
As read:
h=6 m=6 s=15
